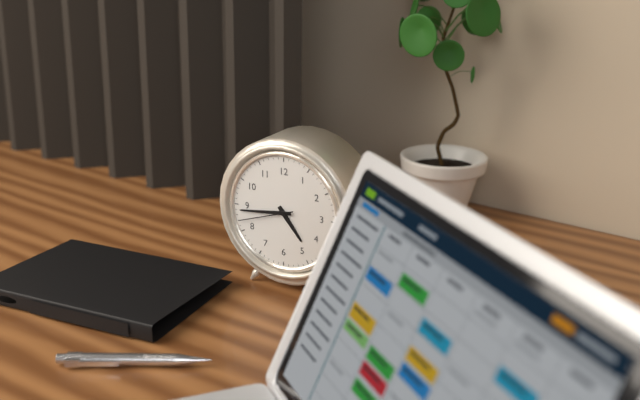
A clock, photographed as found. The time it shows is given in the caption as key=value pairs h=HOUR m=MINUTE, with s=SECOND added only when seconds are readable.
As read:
h=4 m=44 s=42
